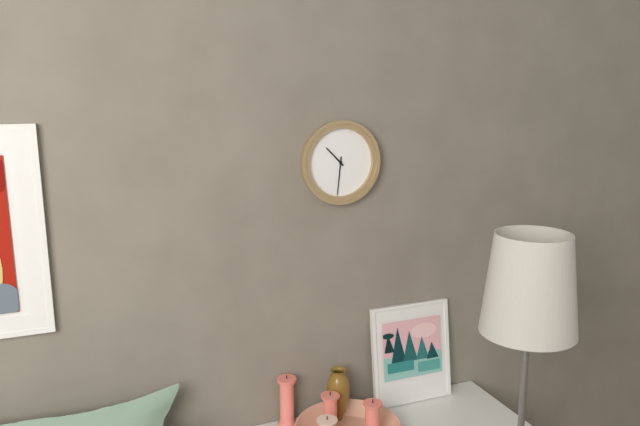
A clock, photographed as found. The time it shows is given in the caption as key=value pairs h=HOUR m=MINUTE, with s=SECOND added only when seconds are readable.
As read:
h=10 m=31
